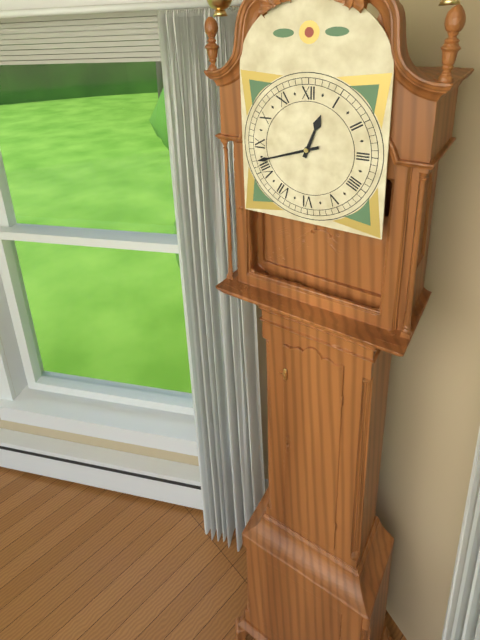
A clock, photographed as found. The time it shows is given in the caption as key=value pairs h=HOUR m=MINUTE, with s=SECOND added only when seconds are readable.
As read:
h=12 m=42
